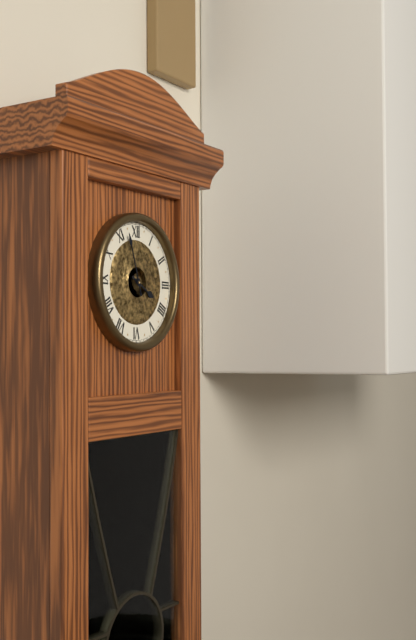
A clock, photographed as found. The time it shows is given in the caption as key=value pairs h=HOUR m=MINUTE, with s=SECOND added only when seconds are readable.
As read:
h=3 m=57
